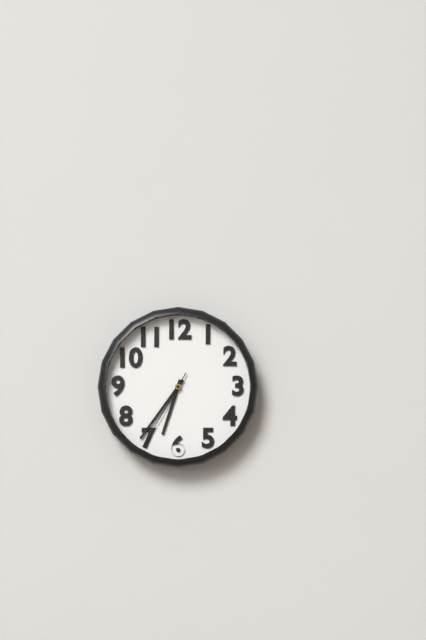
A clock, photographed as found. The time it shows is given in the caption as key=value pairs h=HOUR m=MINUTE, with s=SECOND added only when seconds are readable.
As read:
h=6 m=36 s=35
